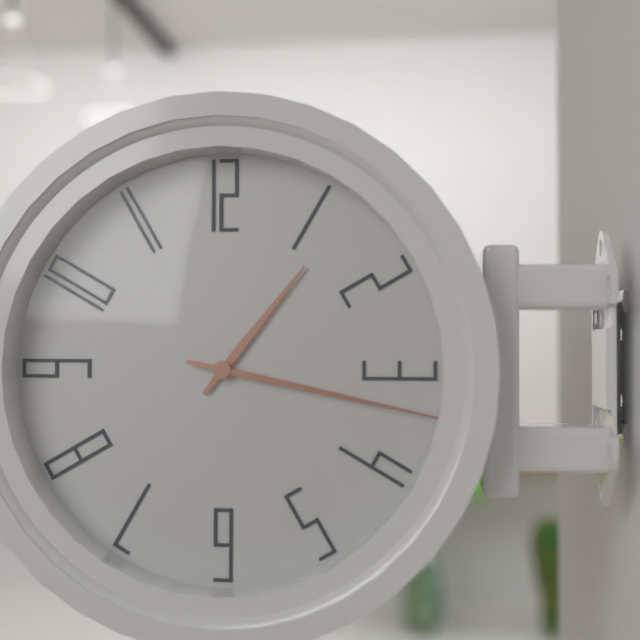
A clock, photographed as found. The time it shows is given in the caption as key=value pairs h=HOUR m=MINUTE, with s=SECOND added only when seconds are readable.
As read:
h=1 m=17
